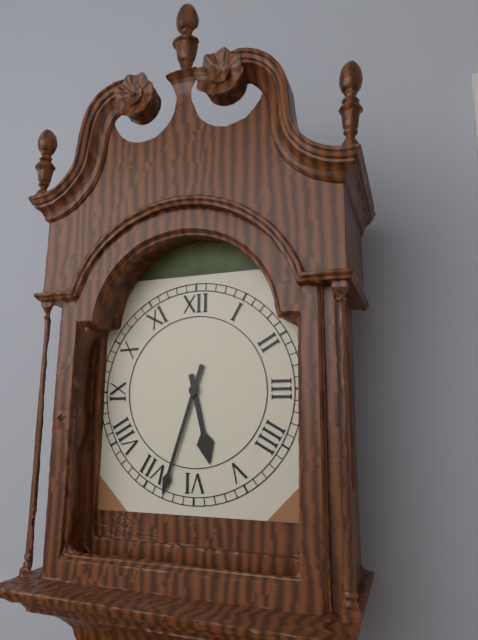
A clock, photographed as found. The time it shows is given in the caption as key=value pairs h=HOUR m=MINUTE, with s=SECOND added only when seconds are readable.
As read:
h=5 m=33
